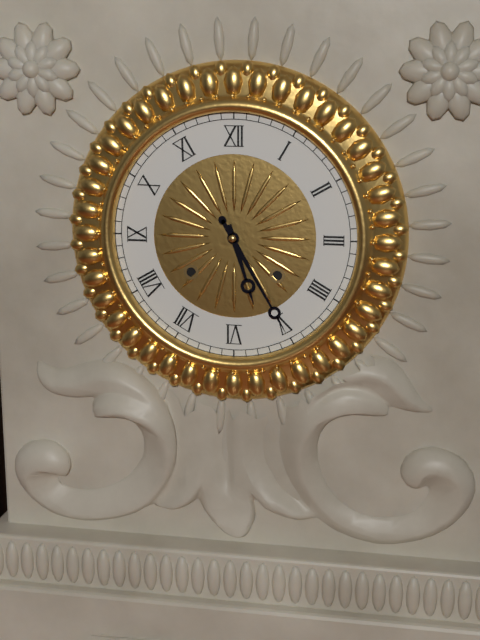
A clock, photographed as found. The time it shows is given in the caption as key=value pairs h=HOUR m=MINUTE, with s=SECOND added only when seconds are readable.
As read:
h=5 m=25
